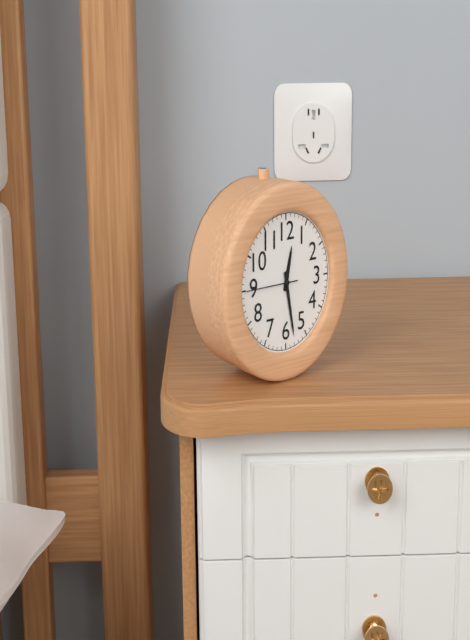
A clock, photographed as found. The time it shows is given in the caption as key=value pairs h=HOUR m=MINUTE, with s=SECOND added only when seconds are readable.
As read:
h=12 m=28 s=45
